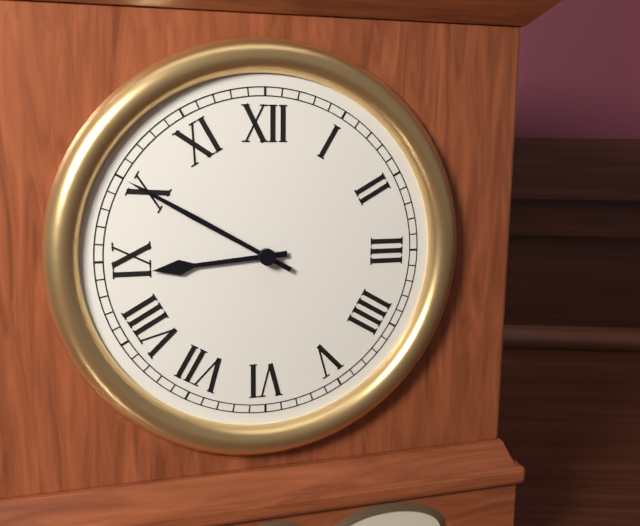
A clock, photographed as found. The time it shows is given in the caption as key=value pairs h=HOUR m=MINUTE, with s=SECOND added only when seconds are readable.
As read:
h=8 m=50
